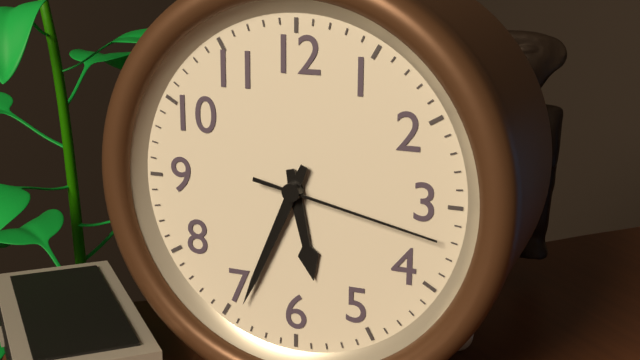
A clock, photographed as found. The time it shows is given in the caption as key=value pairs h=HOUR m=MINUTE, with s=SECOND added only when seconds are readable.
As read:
h=5 m=34 s=17
